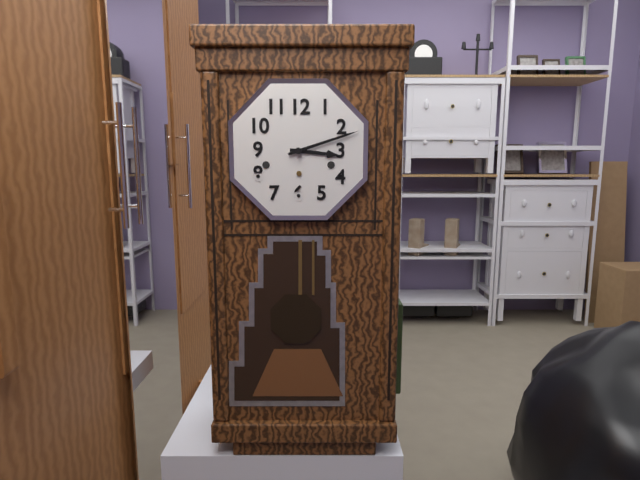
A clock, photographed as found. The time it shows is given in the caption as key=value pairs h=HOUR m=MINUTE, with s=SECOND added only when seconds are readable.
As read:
h=3 m=12
